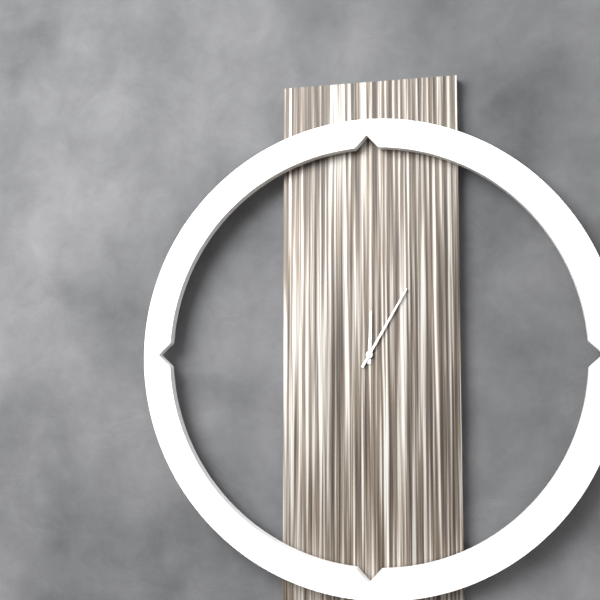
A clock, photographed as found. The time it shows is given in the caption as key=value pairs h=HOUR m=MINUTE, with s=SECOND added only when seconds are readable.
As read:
h=12 m=5
